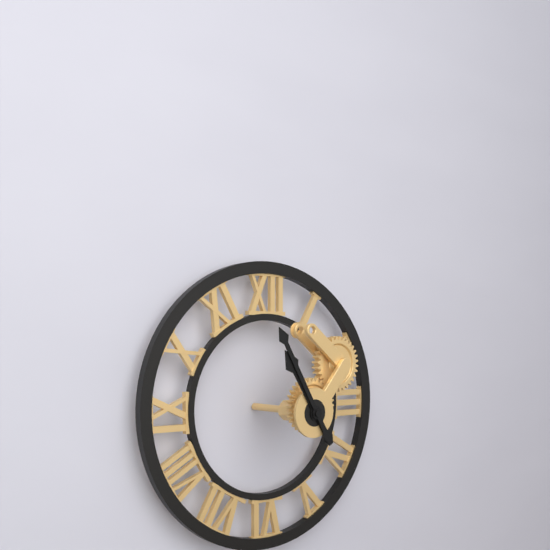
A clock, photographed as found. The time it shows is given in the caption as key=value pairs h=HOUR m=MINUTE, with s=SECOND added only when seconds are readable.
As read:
h=10 m=55
